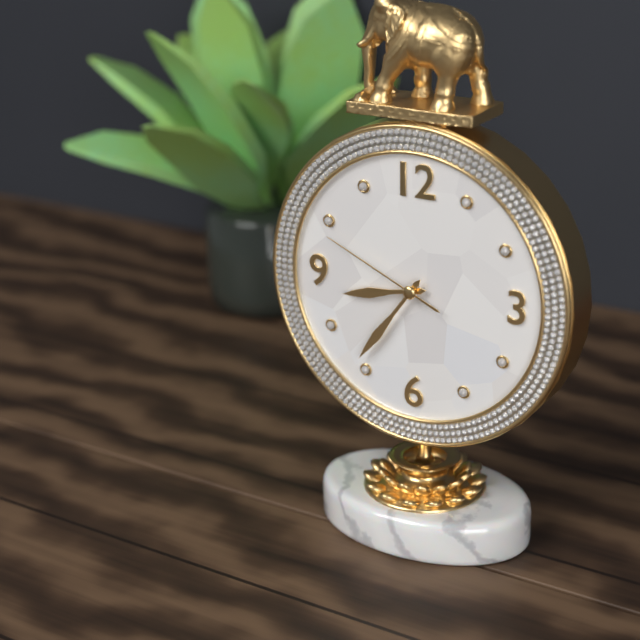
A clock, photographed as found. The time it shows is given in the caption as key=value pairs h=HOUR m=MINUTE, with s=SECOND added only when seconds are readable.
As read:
h=8 m=36 s=49
